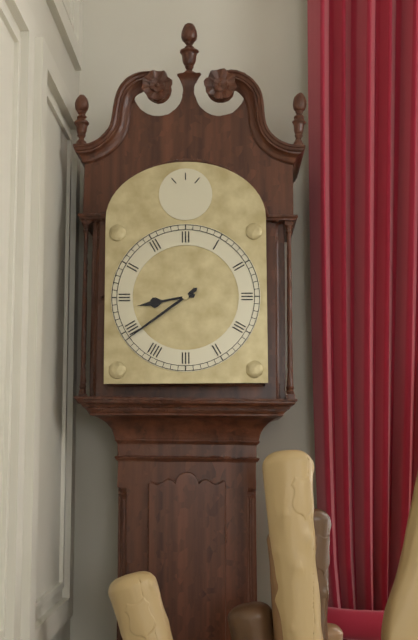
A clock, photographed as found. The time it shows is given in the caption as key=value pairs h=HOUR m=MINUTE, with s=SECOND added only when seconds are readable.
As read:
h=8 m=39
